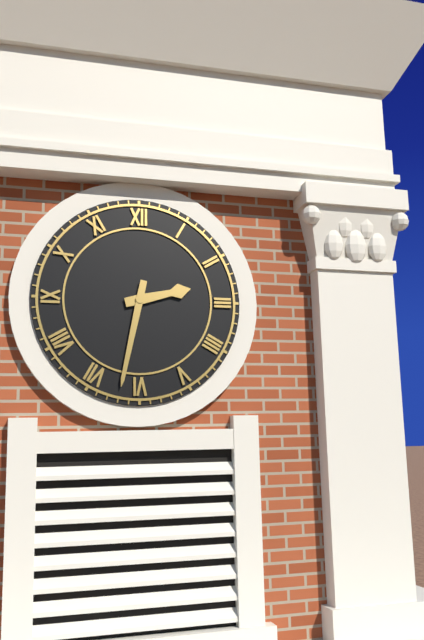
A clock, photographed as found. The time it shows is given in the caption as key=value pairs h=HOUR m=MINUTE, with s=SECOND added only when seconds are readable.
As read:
h=2 m=32
